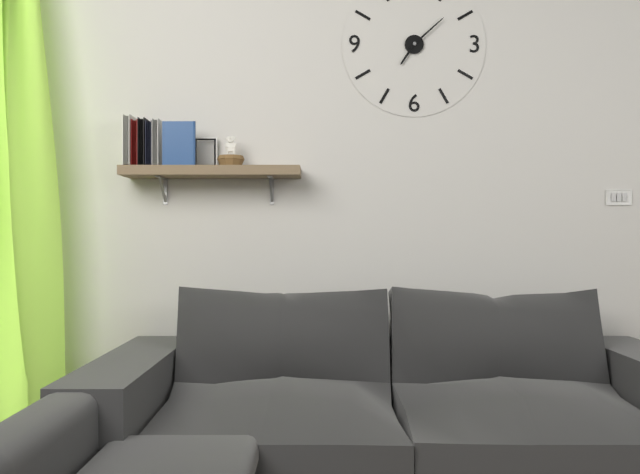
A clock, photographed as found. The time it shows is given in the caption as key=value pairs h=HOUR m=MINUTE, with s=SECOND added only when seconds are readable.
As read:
h=7 m=8
